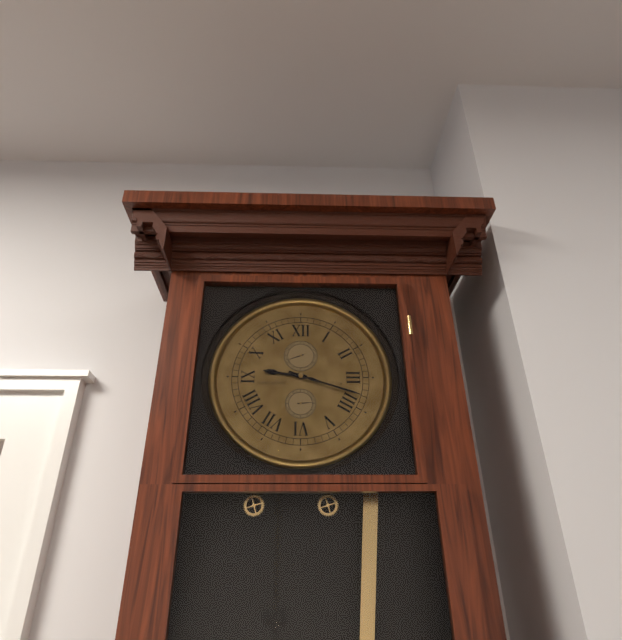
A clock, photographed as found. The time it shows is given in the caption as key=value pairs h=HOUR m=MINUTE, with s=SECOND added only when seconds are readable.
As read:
h=9 m=18
